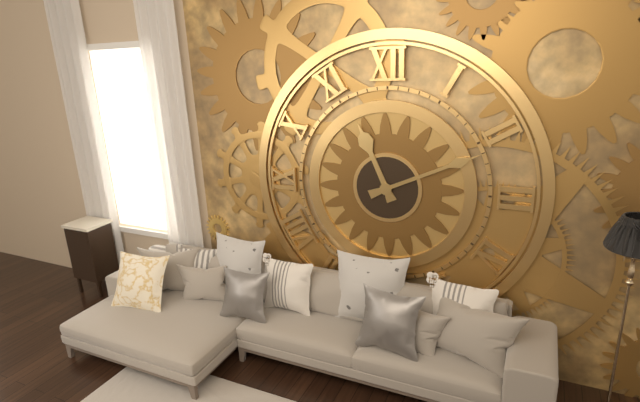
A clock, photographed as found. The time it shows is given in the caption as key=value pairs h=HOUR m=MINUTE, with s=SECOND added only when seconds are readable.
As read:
h=11 m=11
